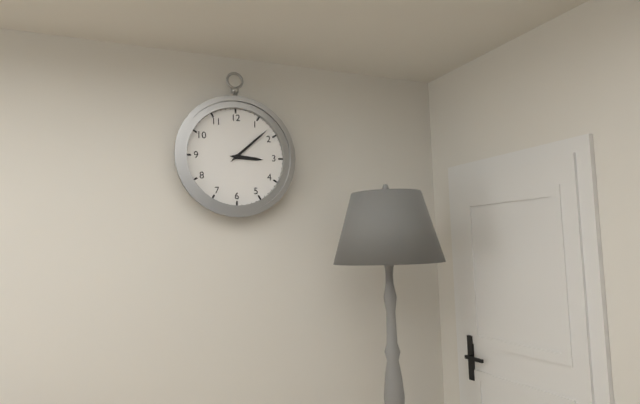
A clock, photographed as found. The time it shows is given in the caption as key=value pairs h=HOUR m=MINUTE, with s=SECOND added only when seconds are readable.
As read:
h=3 m=8
